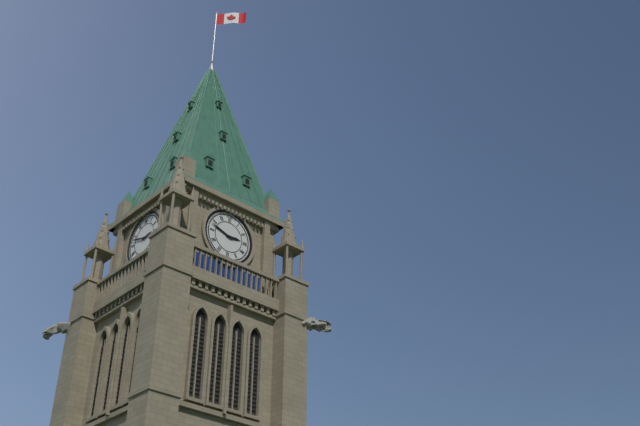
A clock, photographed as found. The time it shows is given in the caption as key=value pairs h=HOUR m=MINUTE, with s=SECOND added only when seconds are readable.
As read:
h=2 m=48
